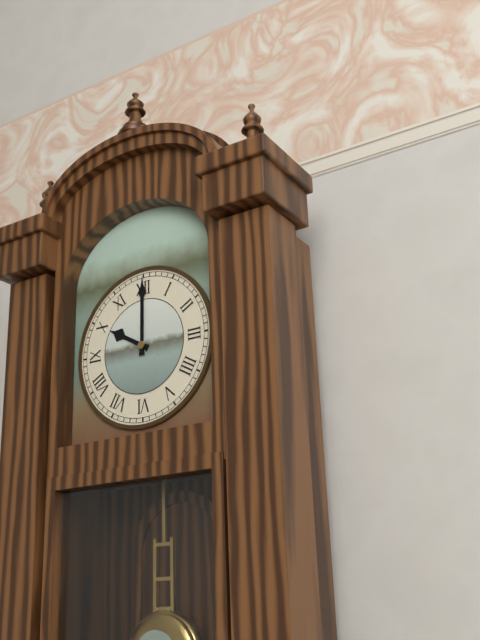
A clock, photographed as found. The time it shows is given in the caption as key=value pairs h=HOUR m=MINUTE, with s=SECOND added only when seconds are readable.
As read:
h=10 m=0
